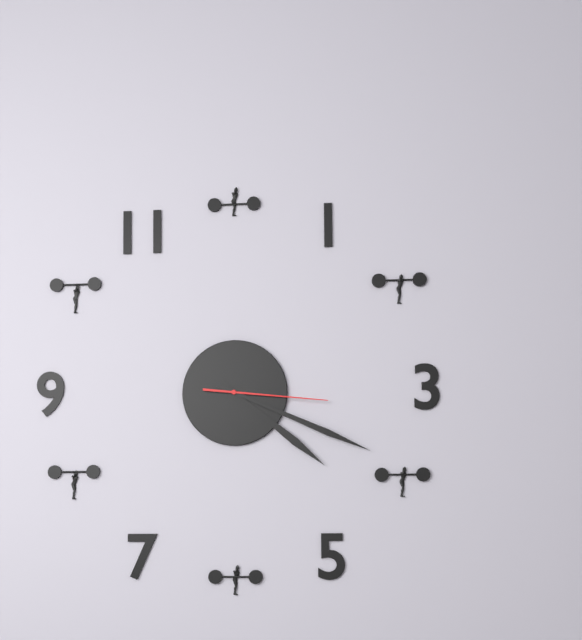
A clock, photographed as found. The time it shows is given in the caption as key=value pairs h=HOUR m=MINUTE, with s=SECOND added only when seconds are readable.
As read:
h=4 m=19 s=16
